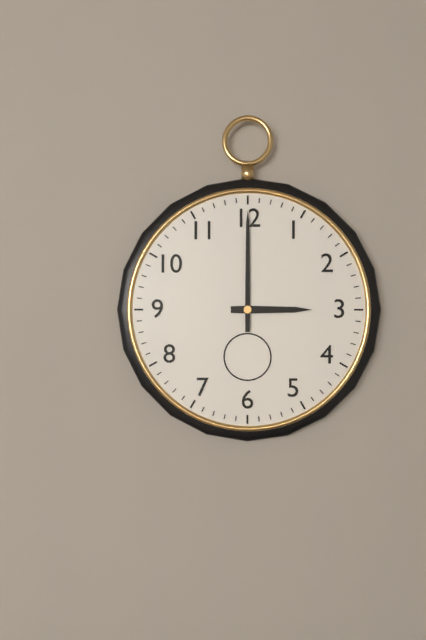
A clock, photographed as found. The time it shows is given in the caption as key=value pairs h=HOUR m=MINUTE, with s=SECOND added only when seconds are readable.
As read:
h=3 m=0
